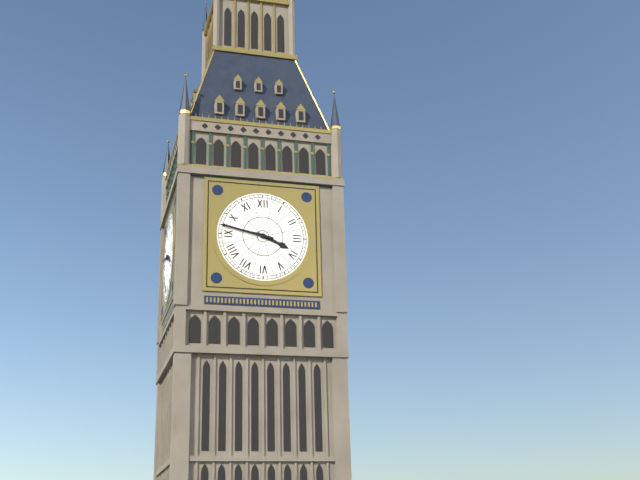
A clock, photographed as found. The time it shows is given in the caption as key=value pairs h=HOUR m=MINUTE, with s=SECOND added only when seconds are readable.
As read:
h=3 m=47
